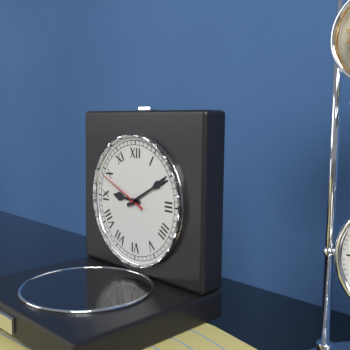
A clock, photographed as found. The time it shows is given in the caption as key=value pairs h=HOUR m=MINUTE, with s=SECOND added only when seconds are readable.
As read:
h=9 m=10 s=49
